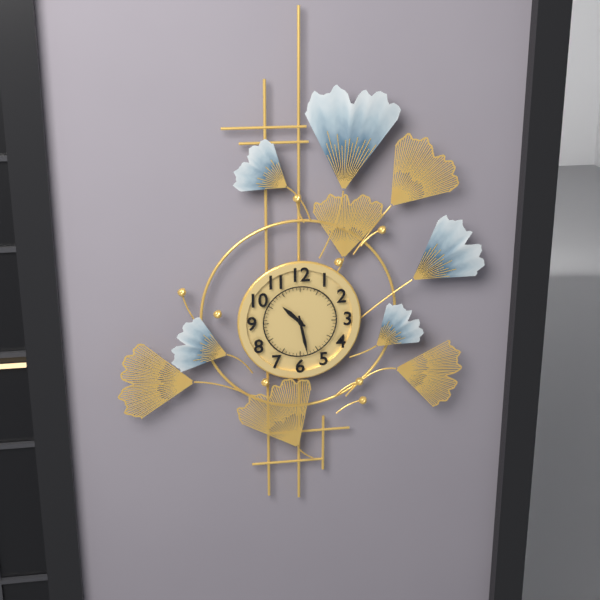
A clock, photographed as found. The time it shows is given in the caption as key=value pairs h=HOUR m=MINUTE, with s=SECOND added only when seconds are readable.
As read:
h=10 m=28
